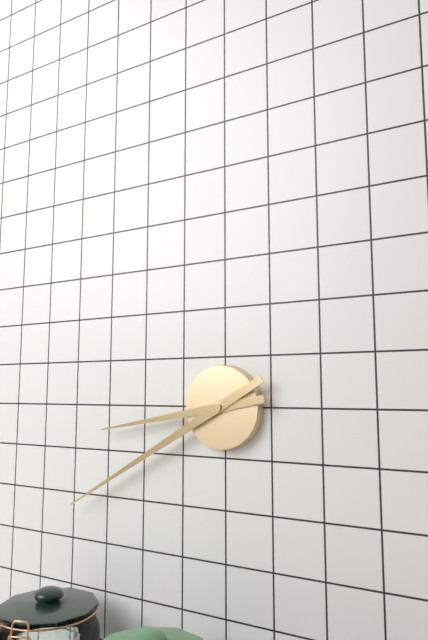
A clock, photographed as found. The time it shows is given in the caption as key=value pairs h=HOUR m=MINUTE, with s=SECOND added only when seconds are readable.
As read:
h=8 m=40
